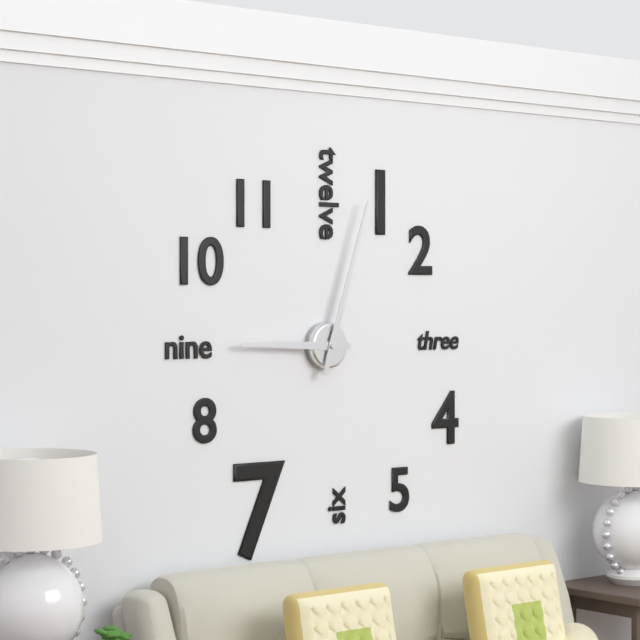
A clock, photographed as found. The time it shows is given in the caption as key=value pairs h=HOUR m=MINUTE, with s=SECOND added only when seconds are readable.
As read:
h=9 m=3
